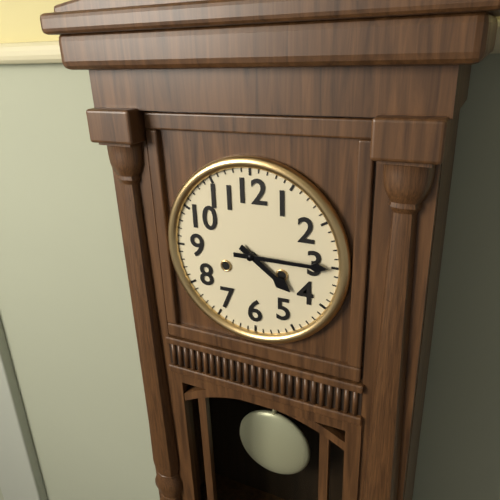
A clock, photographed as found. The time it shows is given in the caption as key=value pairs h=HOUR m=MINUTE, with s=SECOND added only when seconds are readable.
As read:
h=4 m=15
